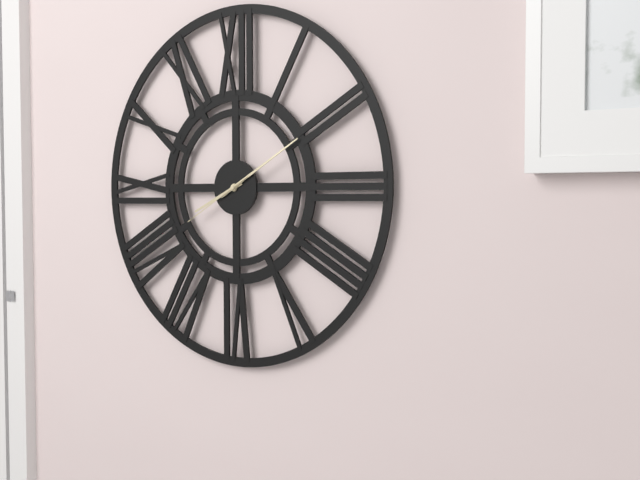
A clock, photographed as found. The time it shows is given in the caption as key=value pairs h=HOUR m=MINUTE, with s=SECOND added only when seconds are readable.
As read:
h=8 m=10 s=40
